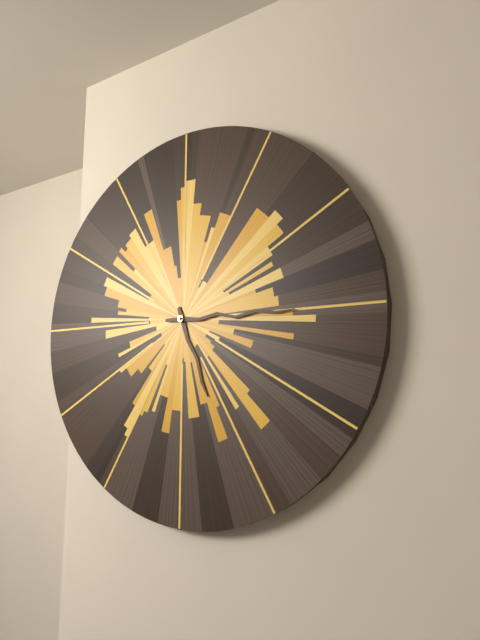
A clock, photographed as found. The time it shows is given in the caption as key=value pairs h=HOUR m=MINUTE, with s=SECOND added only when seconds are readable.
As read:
h=5 m=15
